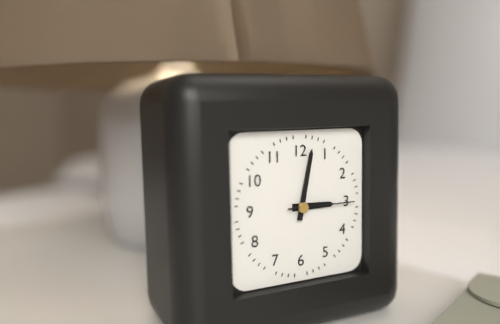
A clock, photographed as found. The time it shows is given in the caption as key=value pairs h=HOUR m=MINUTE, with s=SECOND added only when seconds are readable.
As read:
h=3 m=2 s=15
